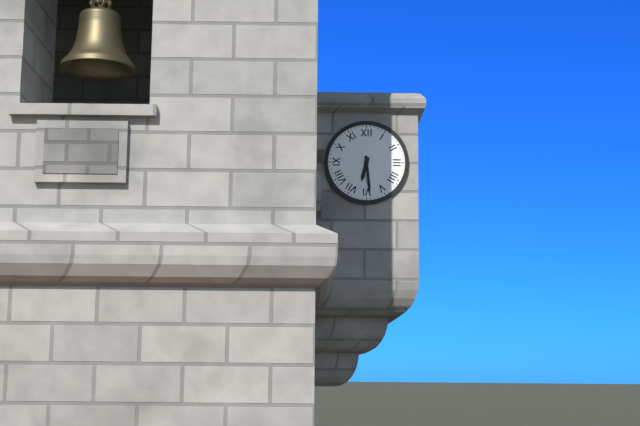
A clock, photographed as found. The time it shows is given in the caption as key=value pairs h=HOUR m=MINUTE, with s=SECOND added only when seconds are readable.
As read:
h=6 m=29
